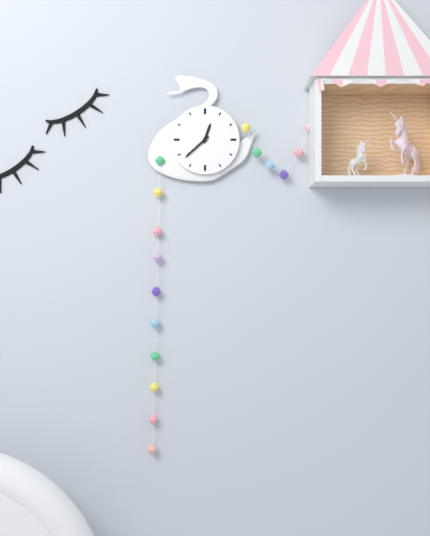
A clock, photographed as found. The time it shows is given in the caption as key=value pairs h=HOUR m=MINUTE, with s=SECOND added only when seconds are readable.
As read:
h=12 m=38
